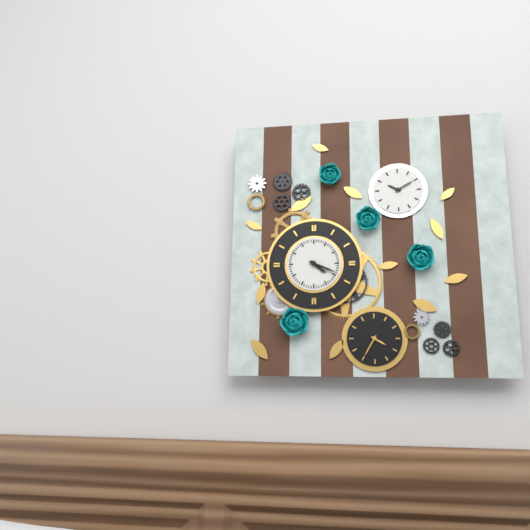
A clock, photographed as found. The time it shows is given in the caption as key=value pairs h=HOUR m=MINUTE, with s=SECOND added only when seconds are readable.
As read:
h=4 m=19
